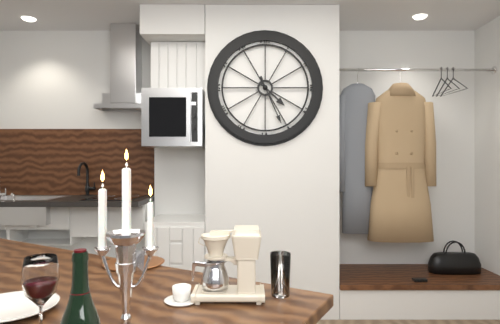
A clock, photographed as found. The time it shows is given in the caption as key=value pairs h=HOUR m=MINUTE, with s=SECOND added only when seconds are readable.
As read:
h=4 m=26
